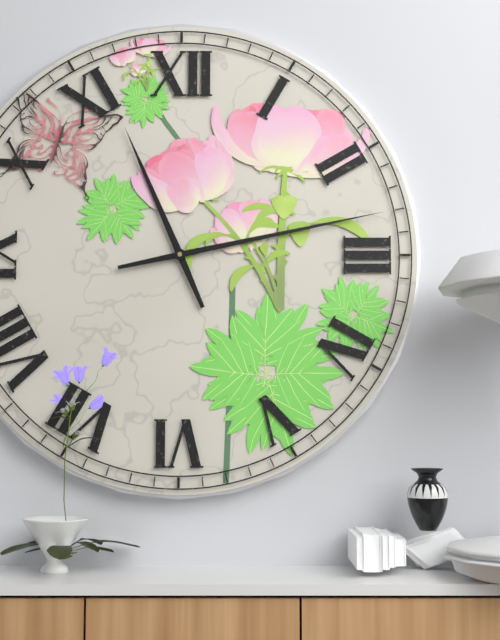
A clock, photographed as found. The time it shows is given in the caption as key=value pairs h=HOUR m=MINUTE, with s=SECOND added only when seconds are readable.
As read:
h=11 m=13
